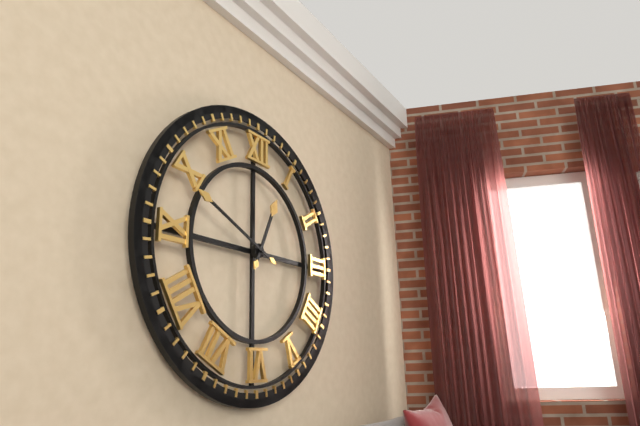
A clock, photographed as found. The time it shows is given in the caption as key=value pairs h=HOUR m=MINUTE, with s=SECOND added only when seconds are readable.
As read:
h=12 m=49
